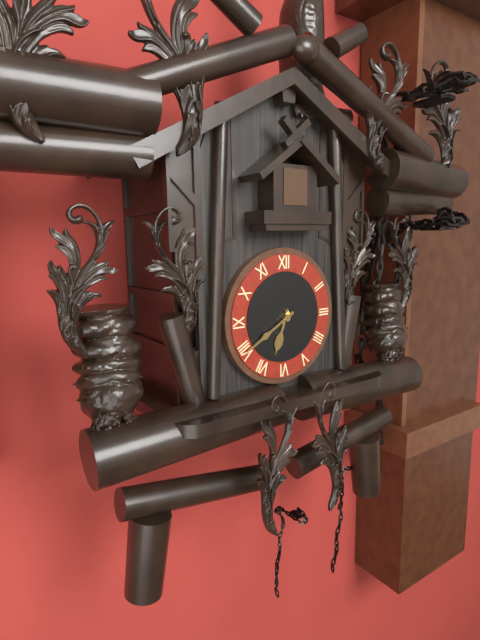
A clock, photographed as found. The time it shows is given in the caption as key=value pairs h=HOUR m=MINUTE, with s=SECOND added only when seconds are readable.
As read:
h=6 m=40
